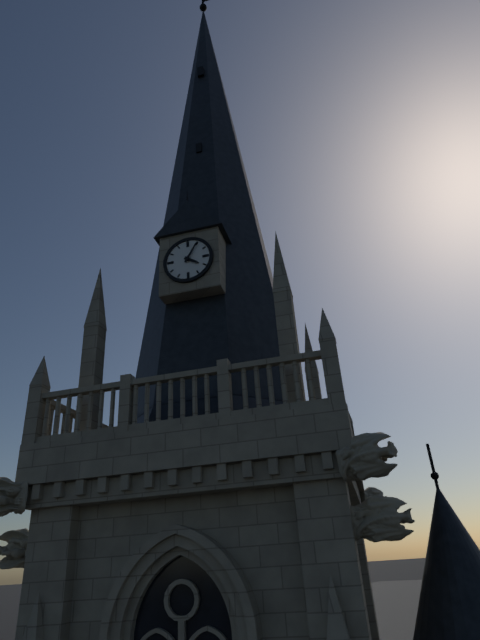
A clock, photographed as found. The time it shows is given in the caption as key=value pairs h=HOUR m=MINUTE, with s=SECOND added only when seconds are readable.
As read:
h=4 m=5
